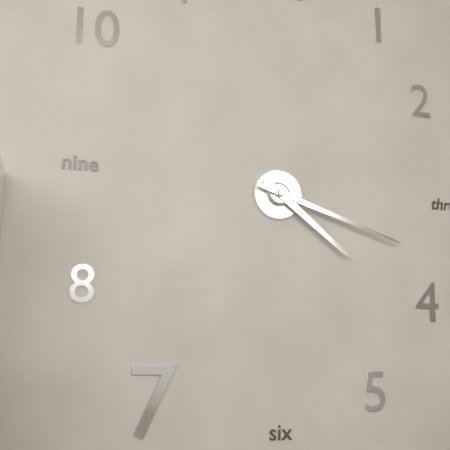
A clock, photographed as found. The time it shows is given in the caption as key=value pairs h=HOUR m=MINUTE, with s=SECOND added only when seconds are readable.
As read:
h=4 m=18
